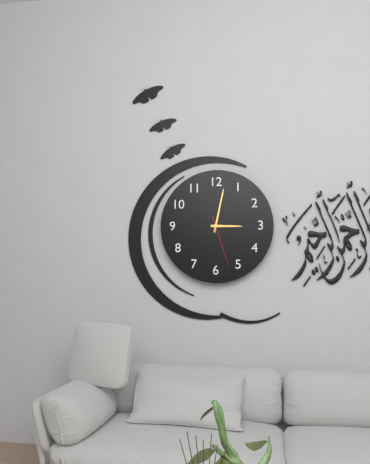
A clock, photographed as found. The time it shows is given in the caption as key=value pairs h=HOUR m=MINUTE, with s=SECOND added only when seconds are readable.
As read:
h=3 m=2 s=27
